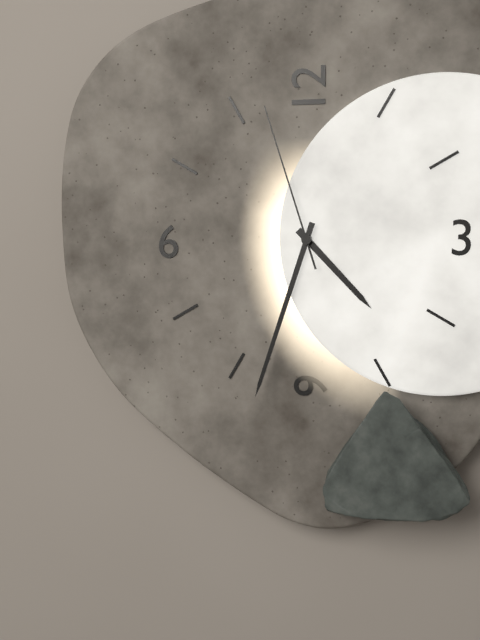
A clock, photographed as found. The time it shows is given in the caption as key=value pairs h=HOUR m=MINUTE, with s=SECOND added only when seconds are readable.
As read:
h=4 m=33 s=57
